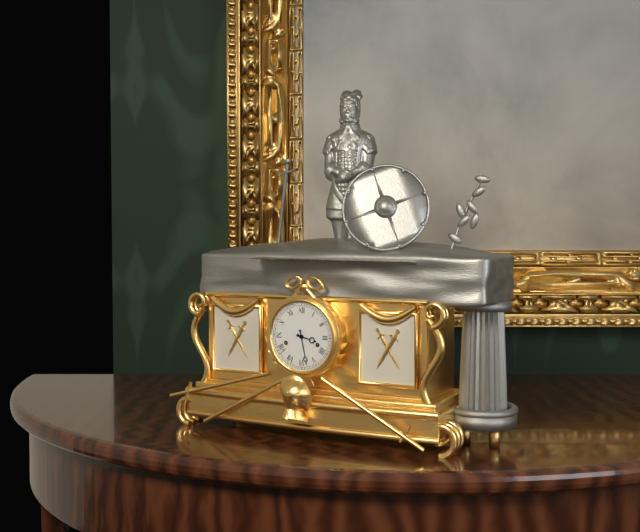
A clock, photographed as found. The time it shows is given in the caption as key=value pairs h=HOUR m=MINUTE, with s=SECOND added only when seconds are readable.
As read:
h=3 m=28
